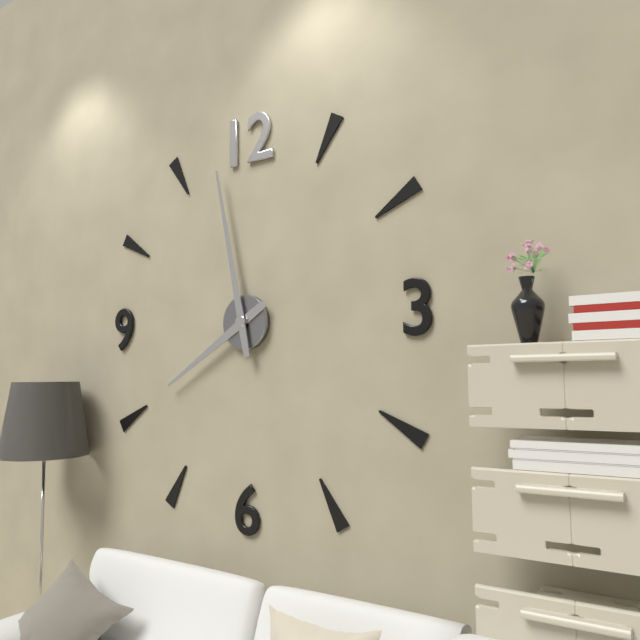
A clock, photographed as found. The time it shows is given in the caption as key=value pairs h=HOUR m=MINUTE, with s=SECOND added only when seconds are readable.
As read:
h=7 m=58
